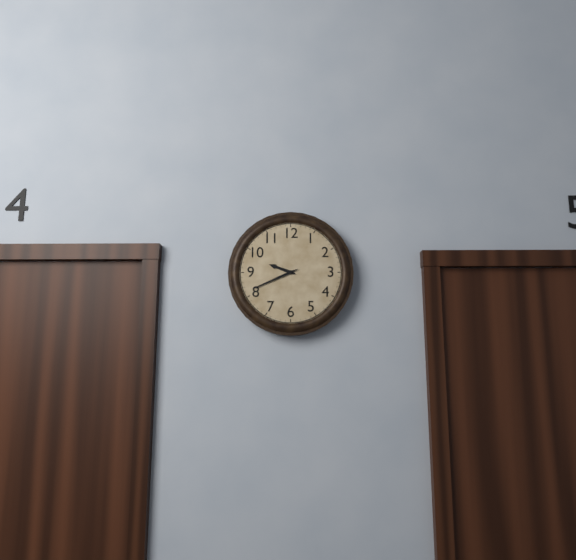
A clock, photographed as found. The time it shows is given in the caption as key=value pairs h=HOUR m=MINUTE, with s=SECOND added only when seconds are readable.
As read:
h=9 m=41
